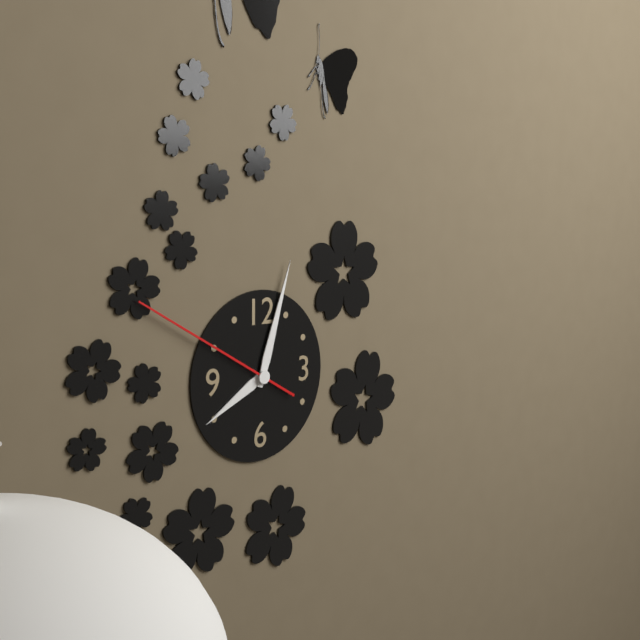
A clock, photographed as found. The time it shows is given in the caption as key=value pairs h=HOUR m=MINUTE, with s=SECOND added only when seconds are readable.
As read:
h=8 m=3 s=50
